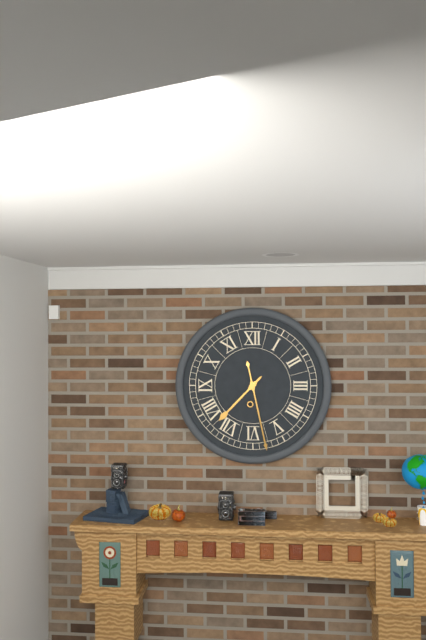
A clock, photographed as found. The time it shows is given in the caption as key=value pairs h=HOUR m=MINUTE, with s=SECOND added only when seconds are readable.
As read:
h=7 m=28
